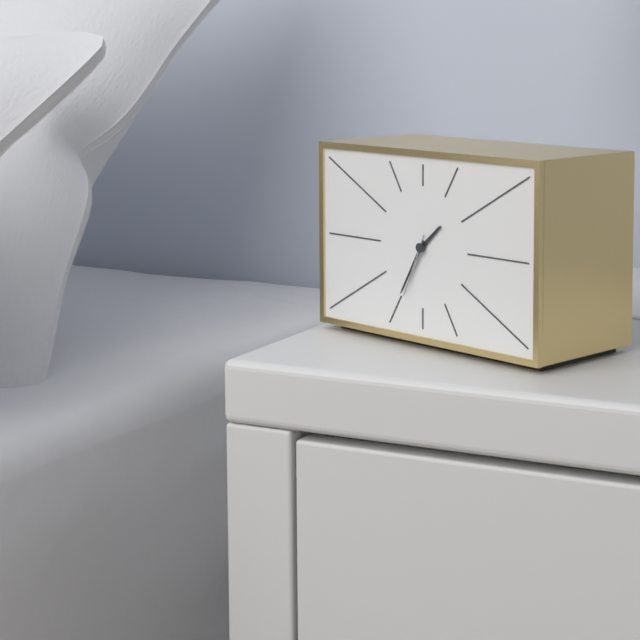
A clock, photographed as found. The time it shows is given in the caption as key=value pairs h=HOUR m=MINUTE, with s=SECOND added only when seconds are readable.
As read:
h=1 m=35 s=34
